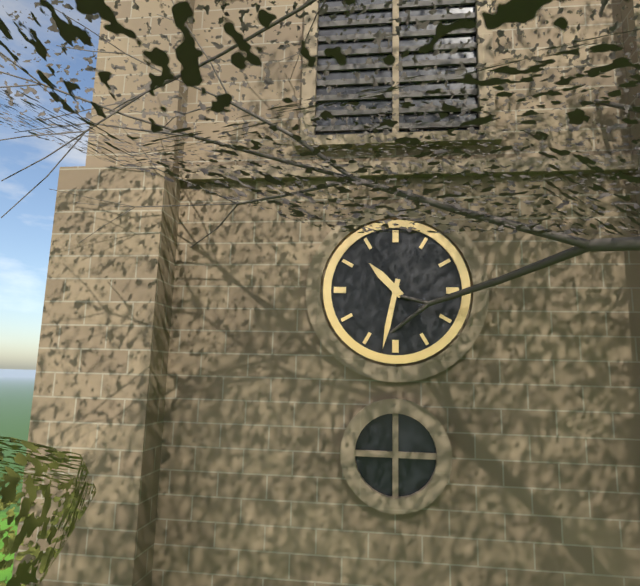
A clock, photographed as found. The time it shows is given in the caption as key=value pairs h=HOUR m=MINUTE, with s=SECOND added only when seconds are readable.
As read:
h=10 m=32
